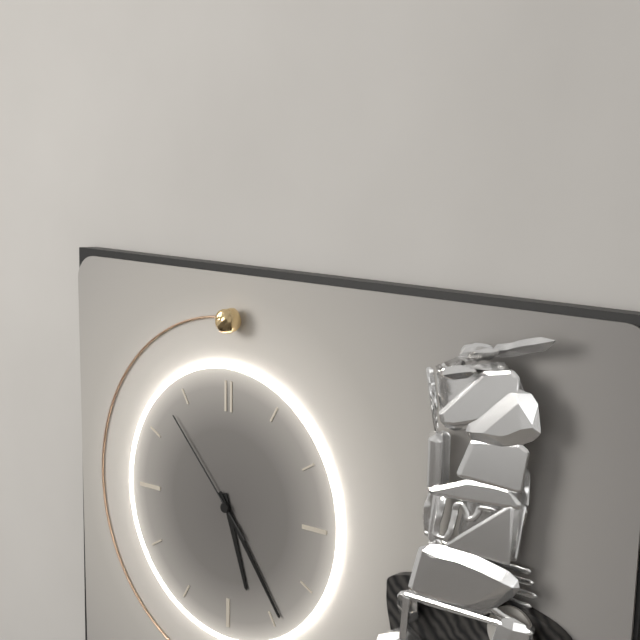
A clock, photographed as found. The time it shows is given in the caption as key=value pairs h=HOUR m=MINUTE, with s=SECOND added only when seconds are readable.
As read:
h=5 m=24 s=53
